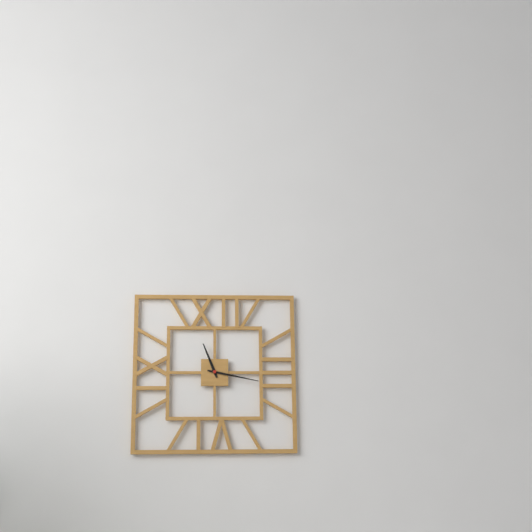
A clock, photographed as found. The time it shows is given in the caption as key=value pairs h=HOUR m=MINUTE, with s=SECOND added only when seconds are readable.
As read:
h=11 m=17
